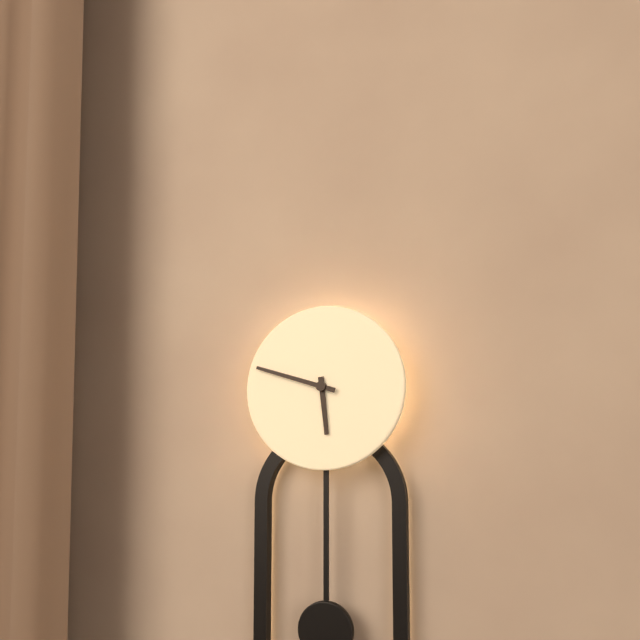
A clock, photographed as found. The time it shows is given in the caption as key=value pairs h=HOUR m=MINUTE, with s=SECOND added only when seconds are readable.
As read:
h=5 m=48
